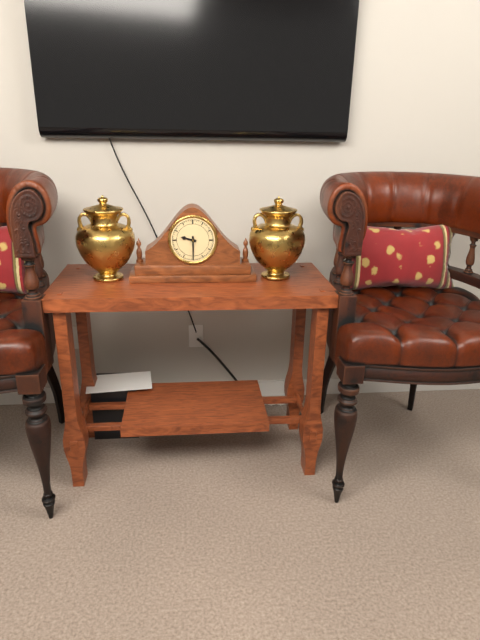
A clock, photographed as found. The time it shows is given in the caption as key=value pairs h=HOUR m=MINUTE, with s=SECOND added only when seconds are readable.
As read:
h=9 m=30
